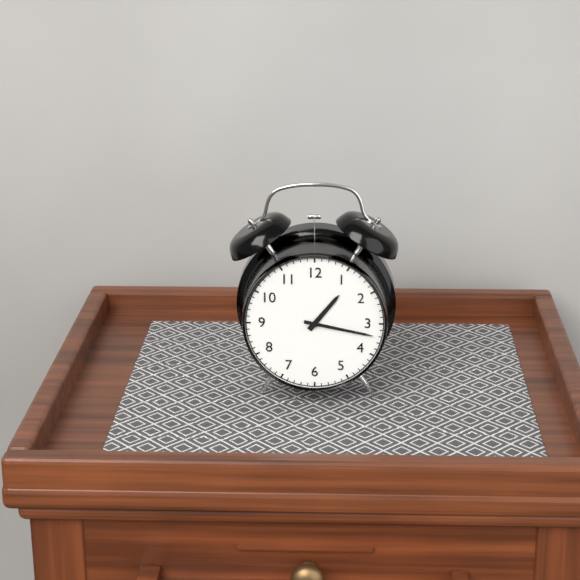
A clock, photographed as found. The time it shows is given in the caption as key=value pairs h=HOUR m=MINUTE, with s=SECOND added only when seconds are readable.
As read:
h=1 m=17
